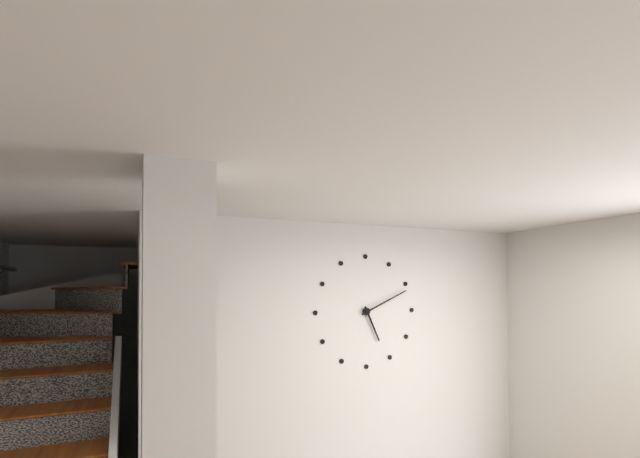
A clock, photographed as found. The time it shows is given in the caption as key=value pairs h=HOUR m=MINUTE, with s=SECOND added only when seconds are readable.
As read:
h=5 m=11
